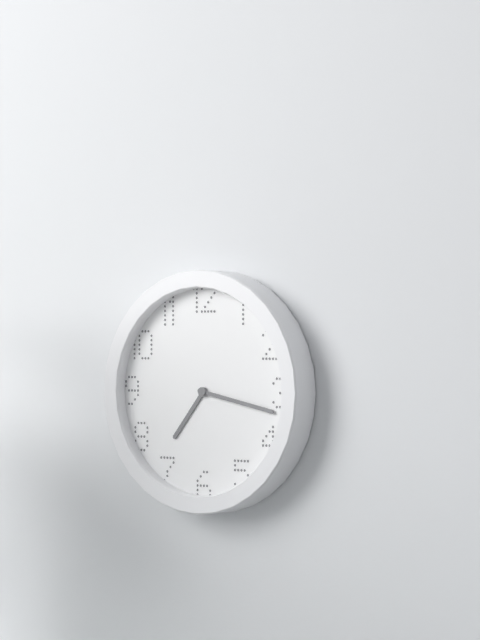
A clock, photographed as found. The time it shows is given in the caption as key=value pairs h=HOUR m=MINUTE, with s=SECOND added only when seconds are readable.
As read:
h=7 m=17
